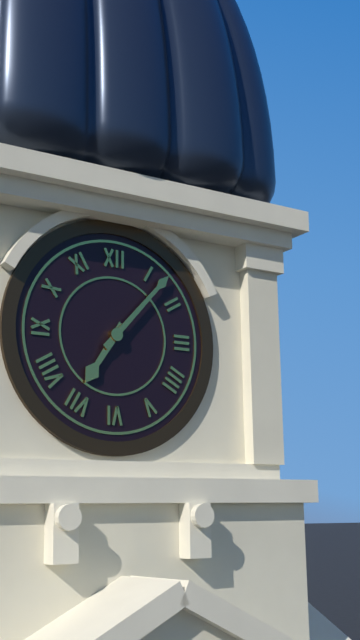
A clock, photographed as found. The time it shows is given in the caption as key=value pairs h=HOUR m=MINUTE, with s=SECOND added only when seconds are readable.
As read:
h=7 m=7
